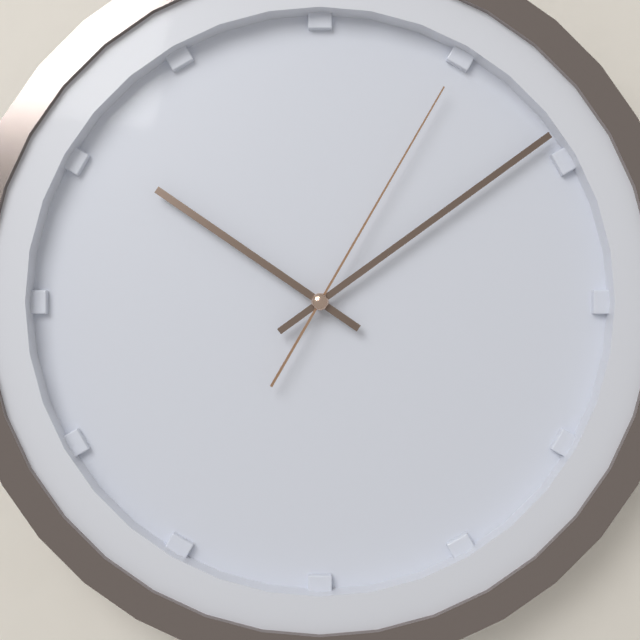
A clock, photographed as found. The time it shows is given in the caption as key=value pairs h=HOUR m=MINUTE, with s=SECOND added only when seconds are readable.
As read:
h=10 m=9 s=5
